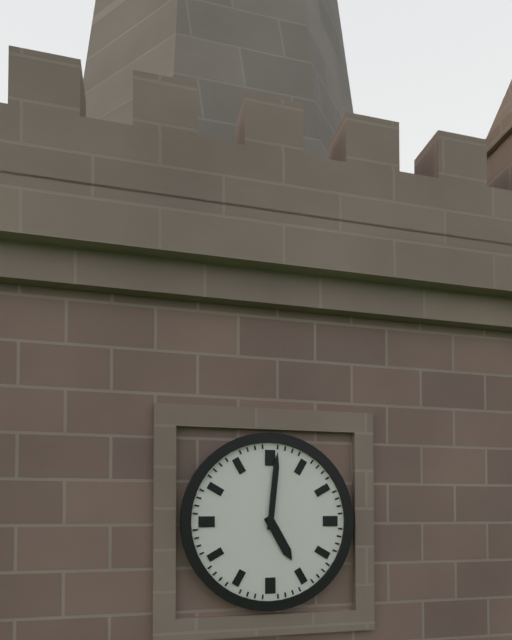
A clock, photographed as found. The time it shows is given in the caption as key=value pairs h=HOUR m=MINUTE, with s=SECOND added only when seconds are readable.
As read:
h=5 m=1
